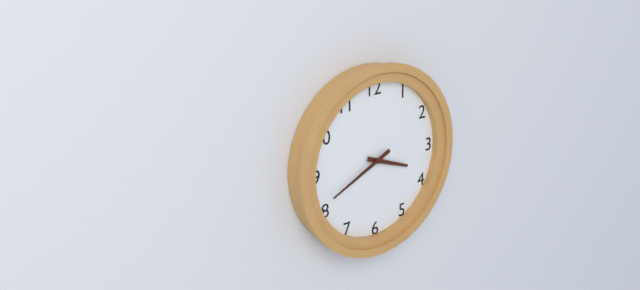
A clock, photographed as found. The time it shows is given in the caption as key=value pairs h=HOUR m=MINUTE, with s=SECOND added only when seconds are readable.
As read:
h=3 m=41
